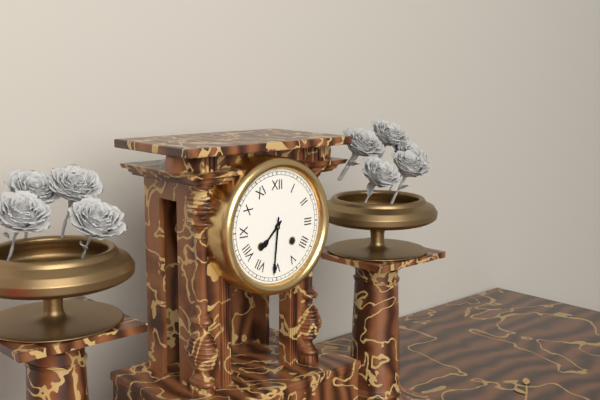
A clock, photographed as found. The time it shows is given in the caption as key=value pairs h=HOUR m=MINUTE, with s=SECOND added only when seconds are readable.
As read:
h=7 m=31
